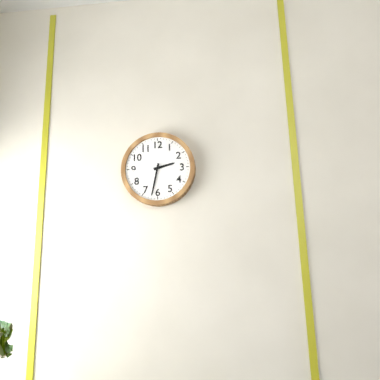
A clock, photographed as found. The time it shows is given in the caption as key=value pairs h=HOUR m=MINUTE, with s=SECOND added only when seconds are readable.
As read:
h=2 m=32
